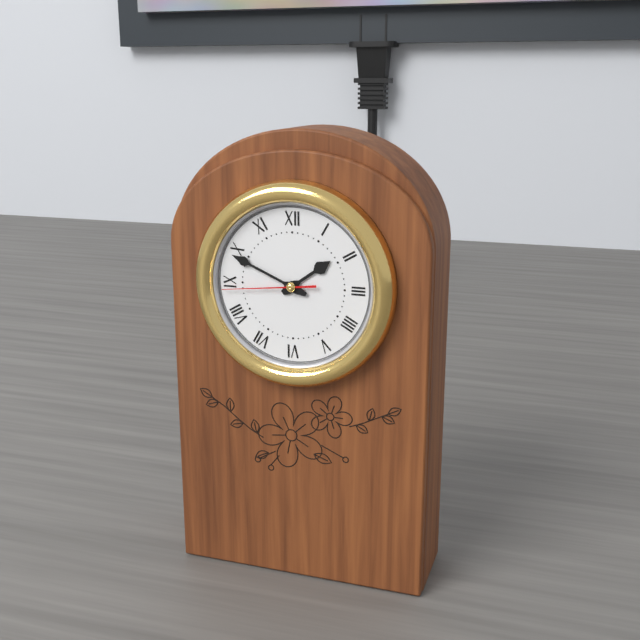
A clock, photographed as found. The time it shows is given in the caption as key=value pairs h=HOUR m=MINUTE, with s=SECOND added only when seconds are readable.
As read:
h=1 m=49 s=44
